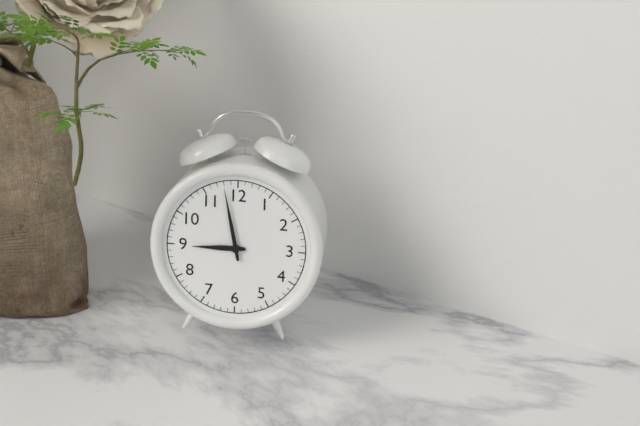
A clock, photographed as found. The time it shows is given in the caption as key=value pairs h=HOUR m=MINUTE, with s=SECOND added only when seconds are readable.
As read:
h=8 m=58
